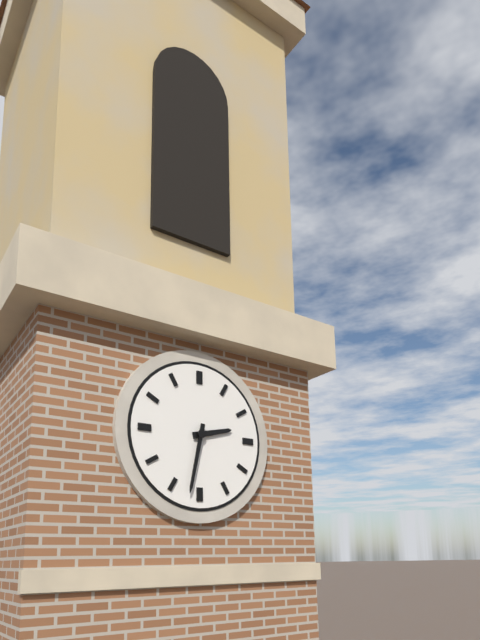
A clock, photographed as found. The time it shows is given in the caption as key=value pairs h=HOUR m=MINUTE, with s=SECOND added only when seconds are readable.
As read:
h=2 m=32
